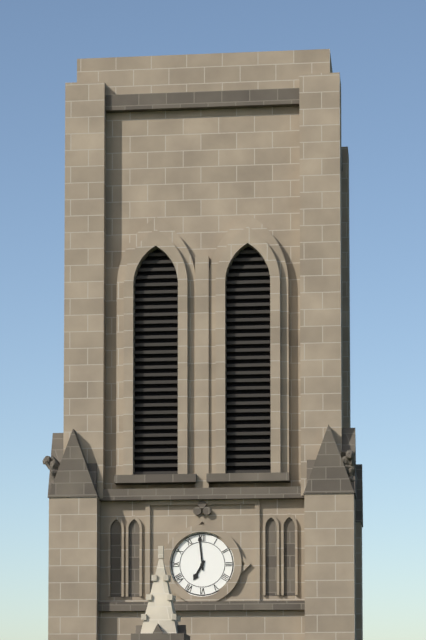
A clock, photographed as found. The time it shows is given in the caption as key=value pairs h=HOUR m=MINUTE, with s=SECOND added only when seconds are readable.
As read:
h=6 m=59
